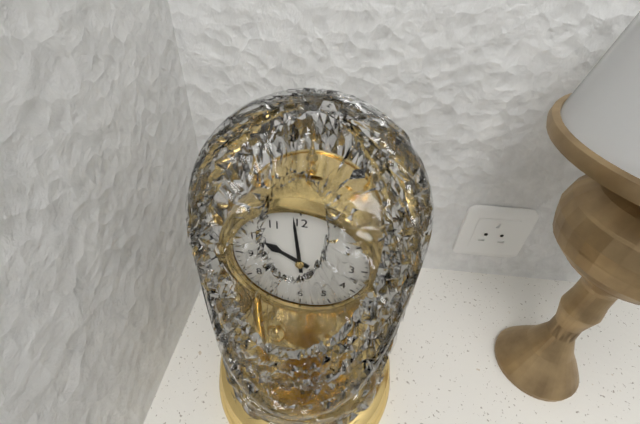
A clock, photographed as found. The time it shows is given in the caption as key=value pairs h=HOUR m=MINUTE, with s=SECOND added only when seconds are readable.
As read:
h=9 m=59
